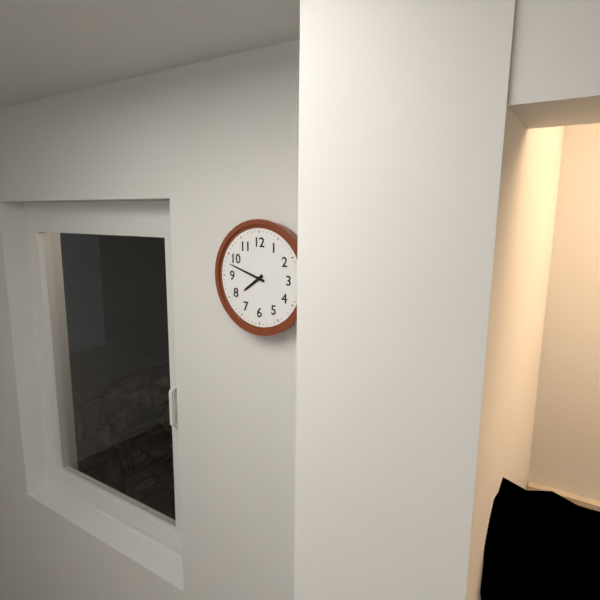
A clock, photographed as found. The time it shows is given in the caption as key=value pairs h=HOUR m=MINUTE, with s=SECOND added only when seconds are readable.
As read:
h=7 m=48
